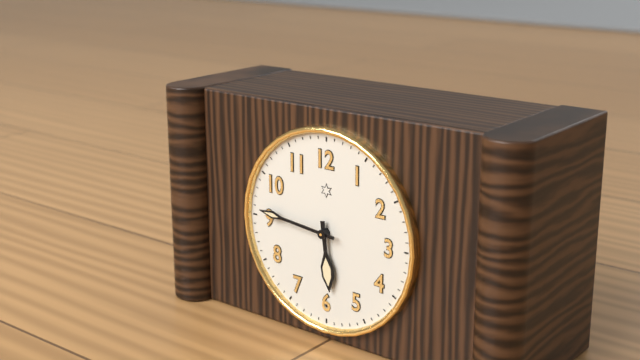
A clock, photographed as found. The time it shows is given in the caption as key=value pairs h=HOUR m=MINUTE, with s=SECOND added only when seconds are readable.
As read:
h=5 m=46
